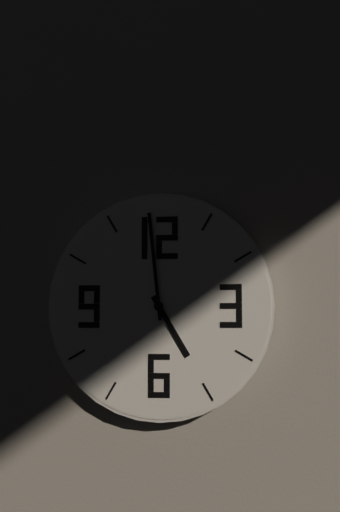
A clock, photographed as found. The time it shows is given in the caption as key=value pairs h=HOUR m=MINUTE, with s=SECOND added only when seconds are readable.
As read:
h=4 m=59
